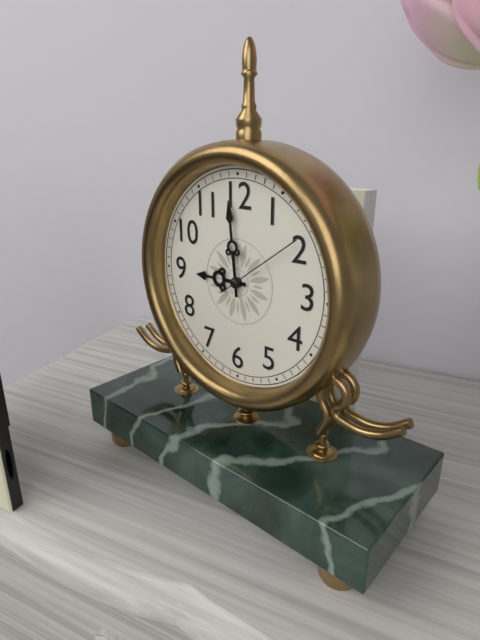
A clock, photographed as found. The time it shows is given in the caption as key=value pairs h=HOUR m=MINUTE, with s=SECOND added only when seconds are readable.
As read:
h=8 m=59 s=9
